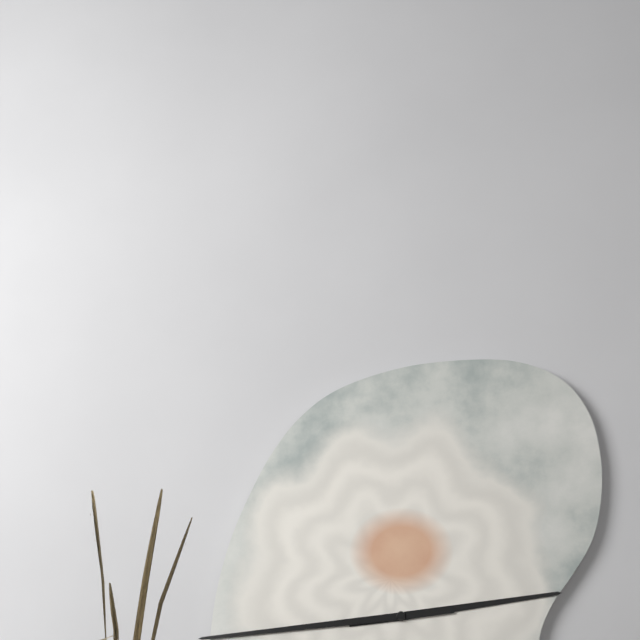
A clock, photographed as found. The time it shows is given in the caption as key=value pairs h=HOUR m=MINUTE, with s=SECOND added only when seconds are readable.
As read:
h=2 m=44
